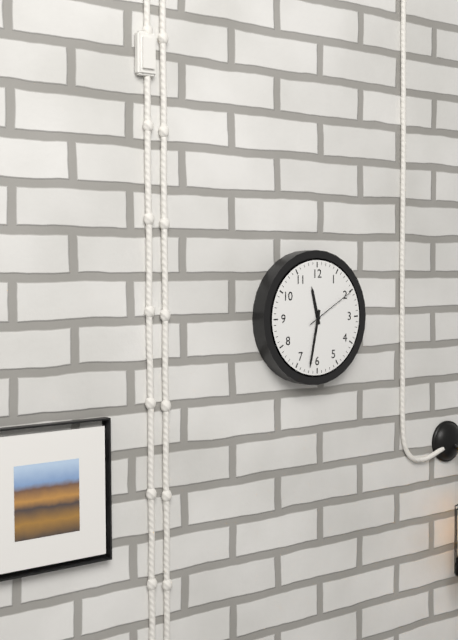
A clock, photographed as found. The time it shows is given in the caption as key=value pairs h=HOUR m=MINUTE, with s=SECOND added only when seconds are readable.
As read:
h=11 m=32 s=10
